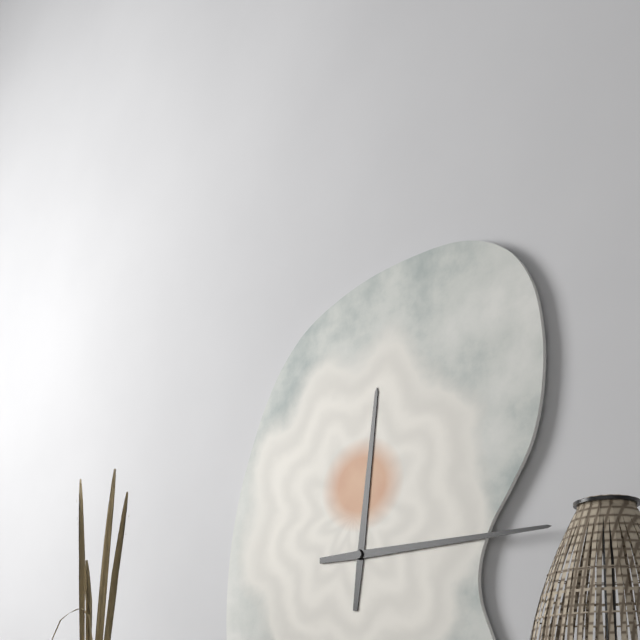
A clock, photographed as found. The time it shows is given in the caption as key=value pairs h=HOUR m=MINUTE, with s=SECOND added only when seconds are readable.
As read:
h=12 m=15
